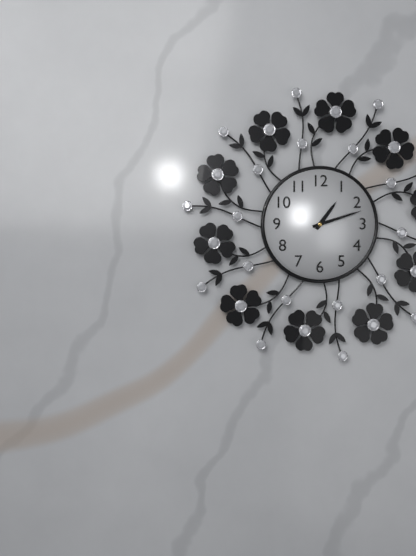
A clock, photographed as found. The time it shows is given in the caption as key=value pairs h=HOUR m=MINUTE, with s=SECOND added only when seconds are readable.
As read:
h=1 m=12
